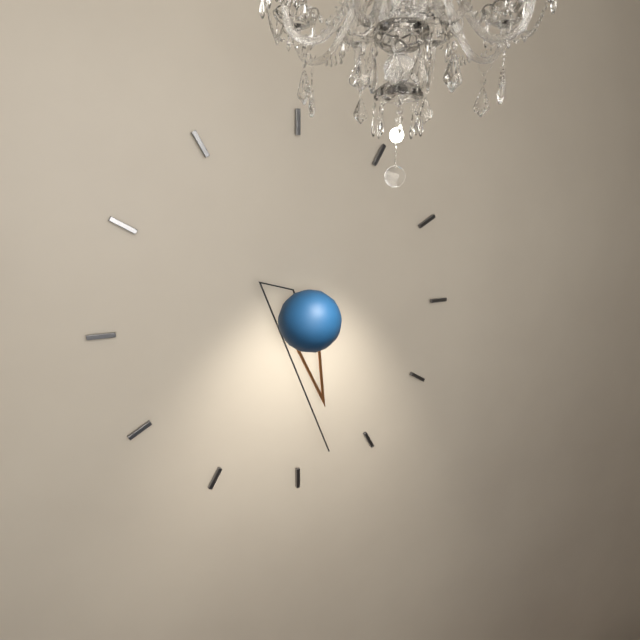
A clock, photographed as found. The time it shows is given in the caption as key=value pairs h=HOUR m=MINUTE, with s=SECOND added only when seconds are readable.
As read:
h=5 m=28
